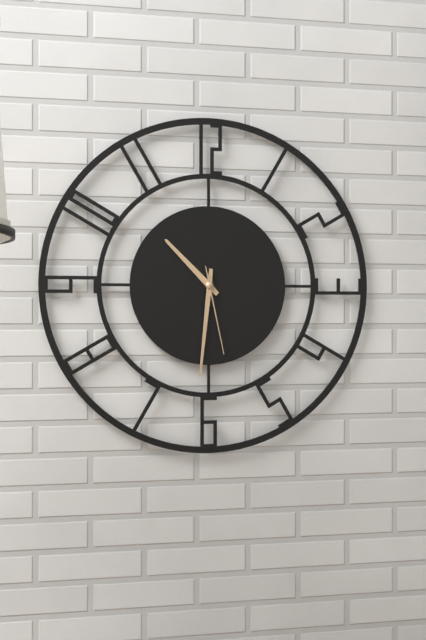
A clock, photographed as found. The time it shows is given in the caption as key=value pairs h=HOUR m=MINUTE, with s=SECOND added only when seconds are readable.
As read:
h=10 m=31 s=28
